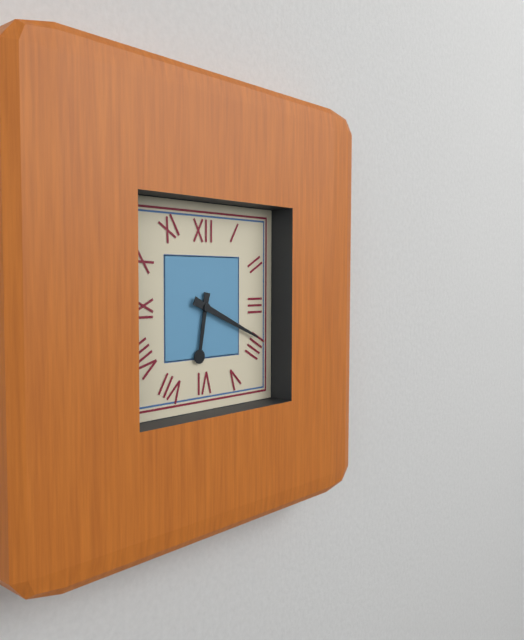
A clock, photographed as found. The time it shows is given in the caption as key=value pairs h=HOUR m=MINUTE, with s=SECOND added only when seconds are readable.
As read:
h=6 m=19
